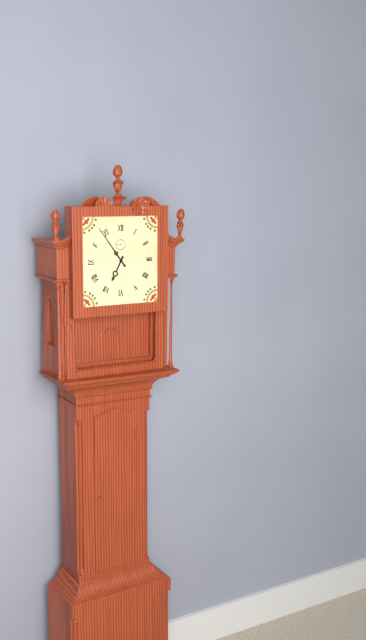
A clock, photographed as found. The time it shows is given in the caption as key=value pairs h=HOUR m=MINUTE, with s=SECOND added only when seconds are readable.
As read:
h=6 m=54
